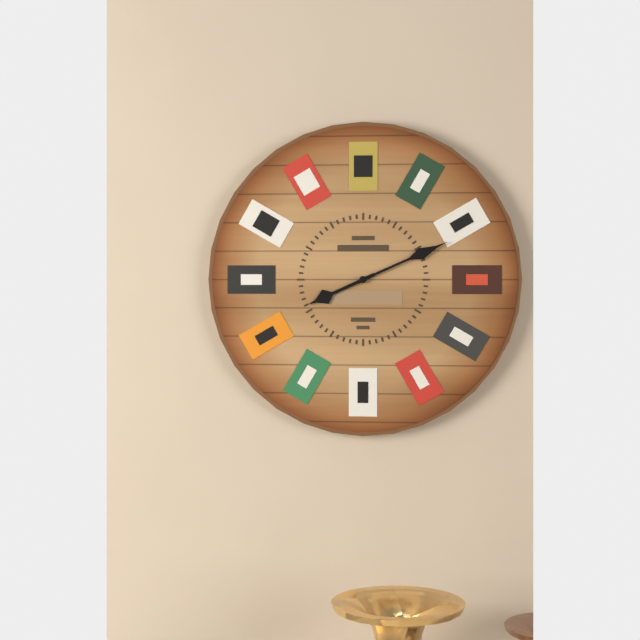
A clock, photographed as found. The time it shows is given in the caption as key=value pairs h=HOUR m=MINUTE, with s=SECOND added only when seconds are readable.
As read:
h=8 m=11
